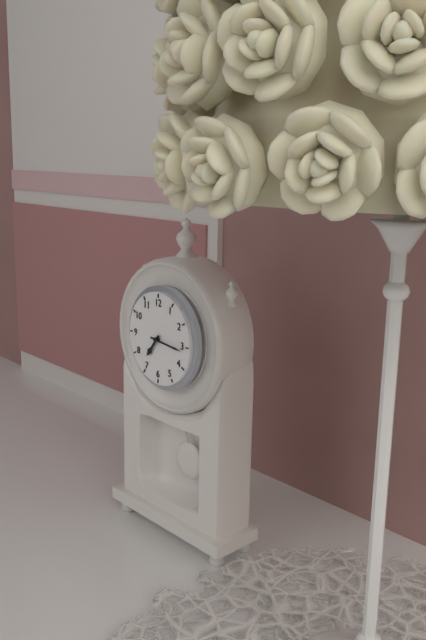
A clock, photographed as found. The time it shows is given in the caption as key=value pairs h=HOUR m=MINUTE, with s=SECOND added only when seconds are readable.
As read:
h=7 m=16
